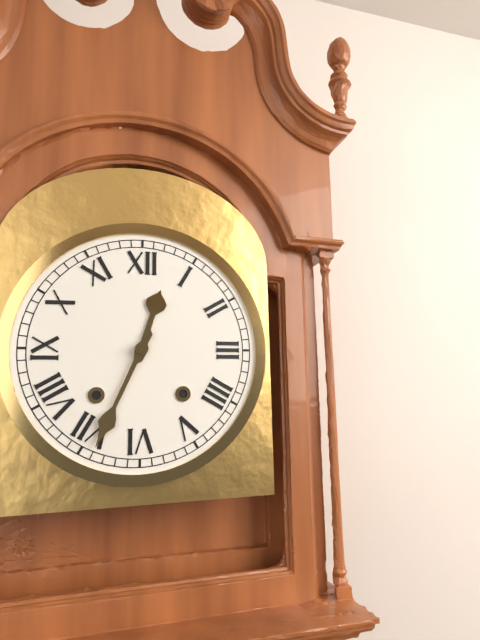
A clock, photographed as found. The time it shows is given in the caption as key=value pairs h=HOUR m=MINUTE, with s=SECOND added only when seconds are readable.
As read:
h=12 m=34
